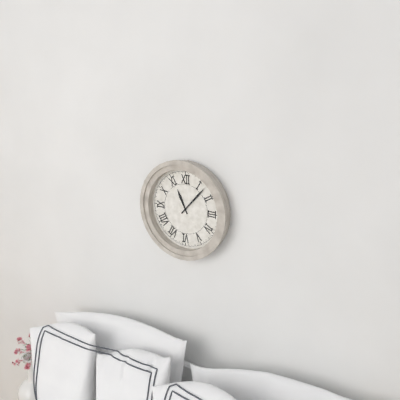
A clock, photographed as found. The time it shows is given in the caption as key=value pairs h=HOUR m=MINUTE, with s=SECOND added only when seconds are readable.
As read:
h=11 m=7
